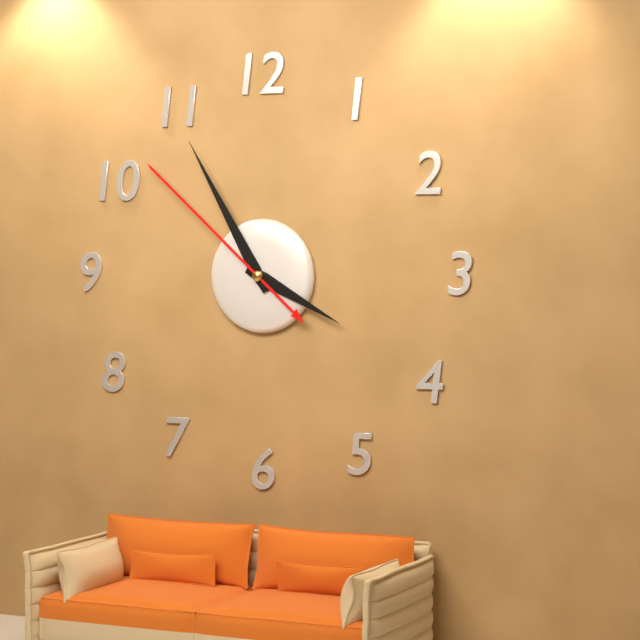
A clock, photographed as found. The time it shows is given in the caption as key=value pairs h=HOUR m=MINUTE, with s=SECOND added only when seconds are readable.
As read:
h=3 m=55 s=52
